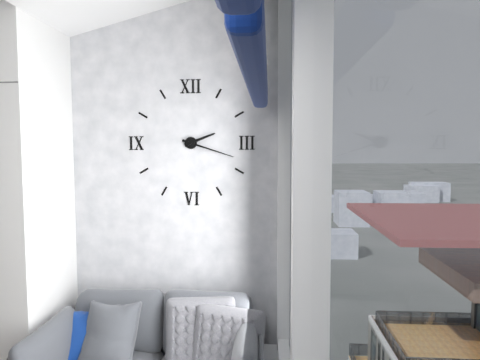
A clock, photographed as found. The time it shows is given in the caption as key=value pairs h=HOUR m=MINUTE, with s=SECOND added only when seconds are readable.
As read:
h=2 m=18
